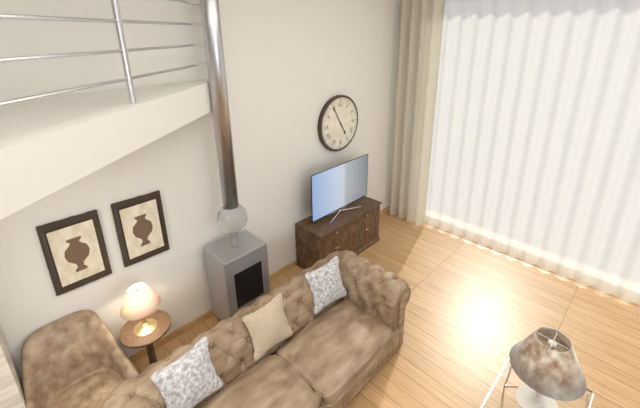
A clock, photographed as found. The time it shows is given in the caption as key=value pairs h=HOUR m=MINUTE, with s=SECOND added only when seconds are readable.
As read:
h=4 m=55
